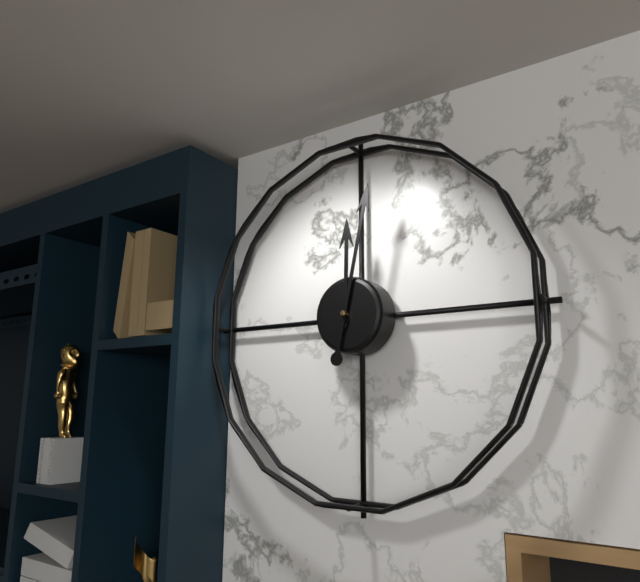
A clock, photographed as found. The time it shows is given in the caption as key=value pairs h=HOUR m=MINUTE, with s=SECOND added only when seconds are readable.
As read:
h=12 m=2
